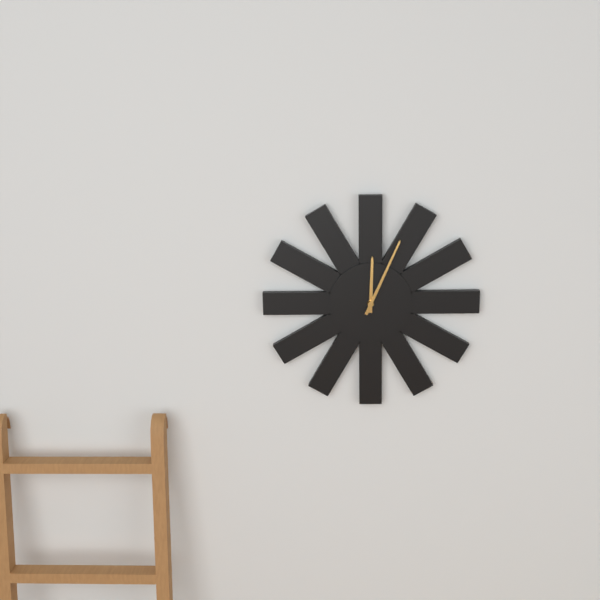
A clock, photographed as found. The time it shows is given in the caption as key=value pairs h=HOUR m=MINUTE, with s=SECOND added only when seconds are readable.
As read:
h=12 m=4
